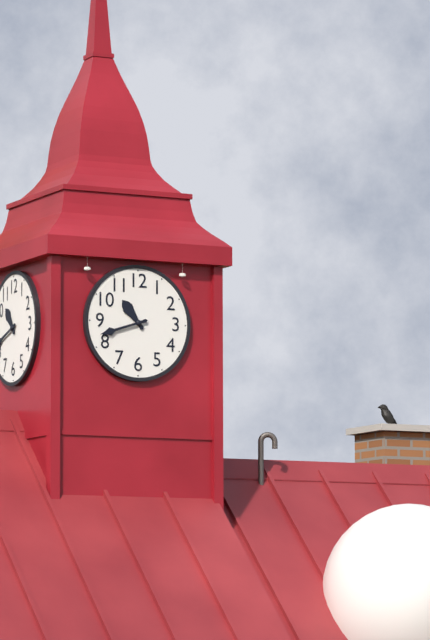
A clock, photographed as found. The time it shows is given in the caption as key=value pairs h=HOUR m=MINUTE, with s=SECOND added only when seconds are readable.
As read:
h=10 m=42
